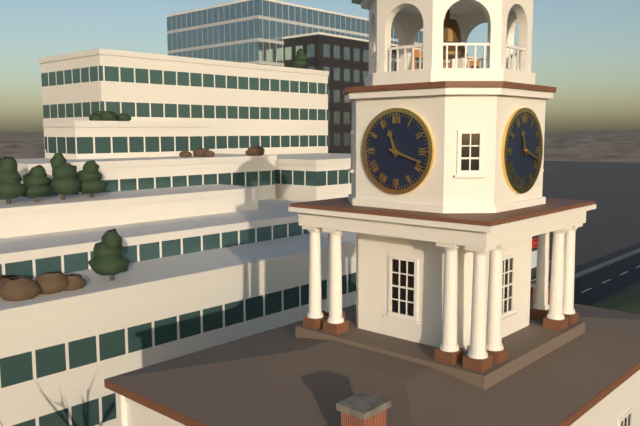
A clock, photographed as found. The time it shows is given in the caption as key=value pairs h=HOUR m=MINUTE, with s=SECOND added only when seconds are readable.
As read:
h=11 m=18
